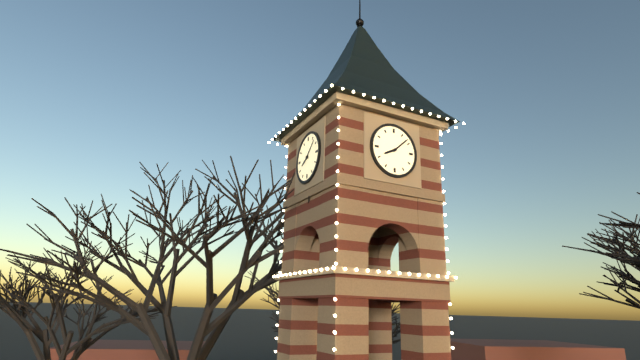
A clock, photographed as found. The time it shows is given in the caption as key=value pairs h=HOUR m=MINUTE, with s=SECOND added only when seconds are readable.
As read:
h=8 m=8
